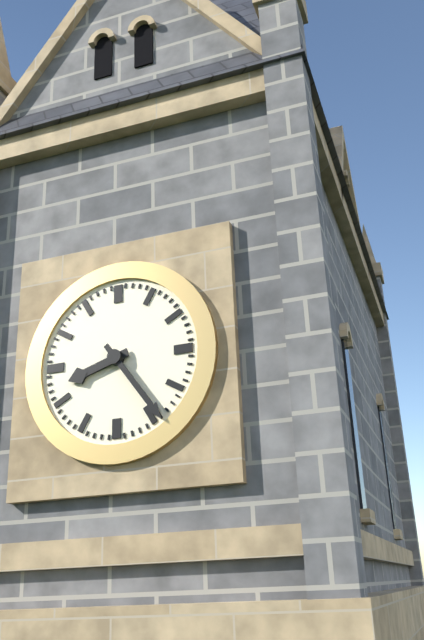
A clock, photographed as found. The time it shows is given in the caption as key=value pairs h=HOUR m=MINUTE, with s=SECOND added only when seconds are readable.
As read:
h=8 m=24
